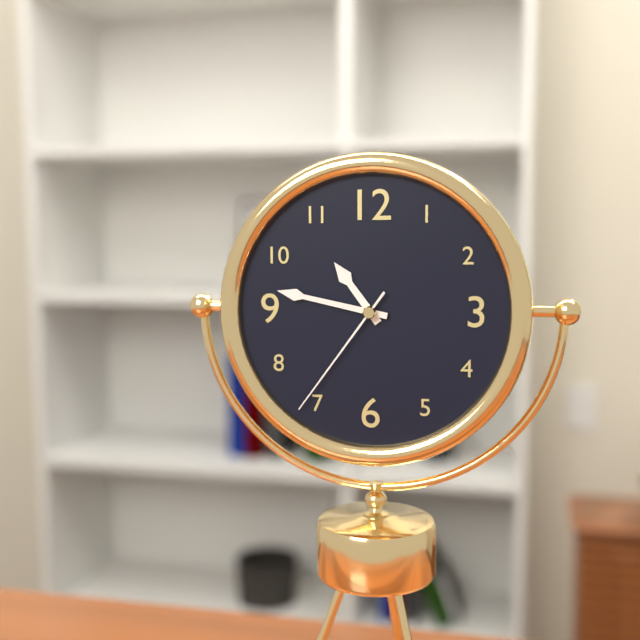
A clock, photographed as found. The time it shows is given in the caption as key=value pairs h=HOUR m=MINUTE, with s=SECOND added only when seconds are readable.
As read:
h=10 m=47 s=36
